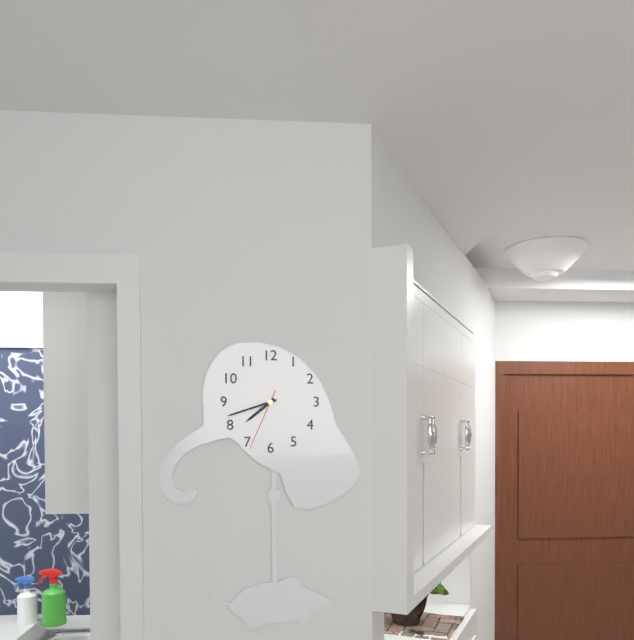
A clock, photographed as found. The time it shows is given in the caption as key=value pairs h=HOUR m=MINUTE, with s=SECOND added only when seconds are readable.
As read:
h=7 m=42 s=34
